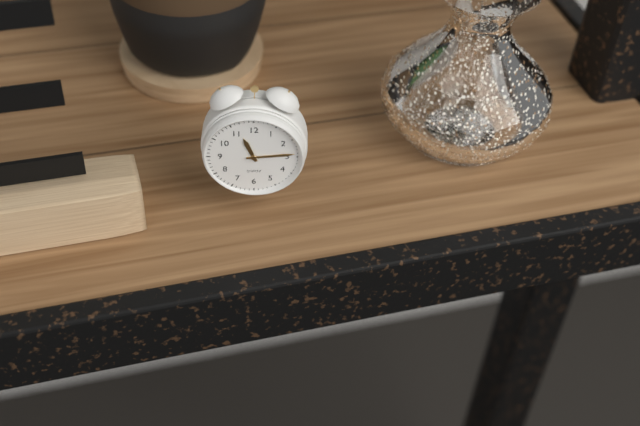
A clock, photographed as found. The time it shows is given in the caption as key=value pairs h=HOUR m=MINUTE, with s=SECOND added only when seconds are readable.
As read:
h=11 m=14
